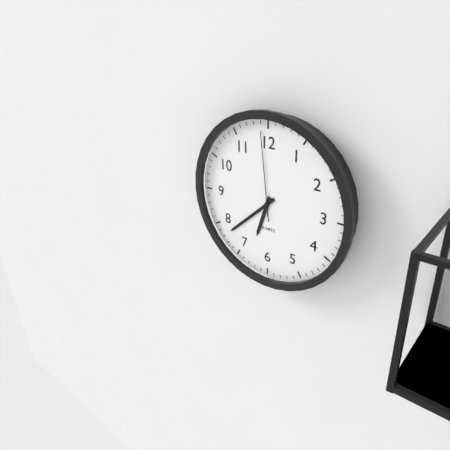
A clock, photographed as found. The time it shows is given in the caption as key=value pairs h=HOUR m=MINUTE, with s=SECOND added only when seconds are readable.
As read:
h=6 m=38 s=59
